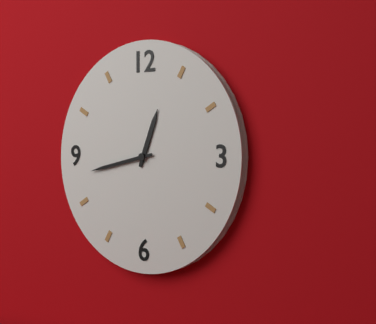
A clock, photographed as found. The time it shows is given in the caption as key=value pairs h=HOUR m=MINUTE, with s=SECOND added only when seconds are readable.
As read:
h=12 m=43
